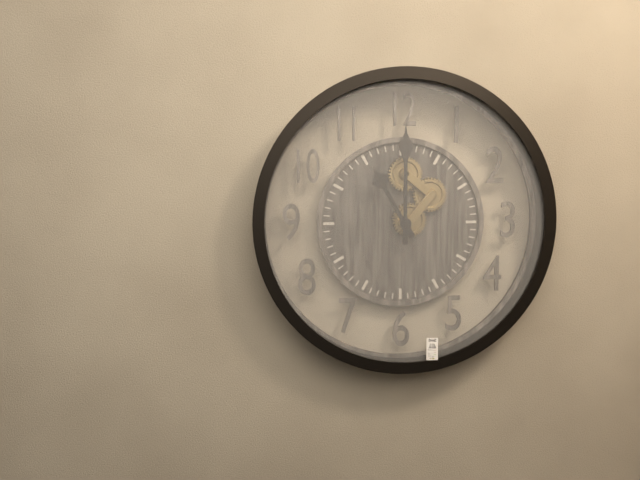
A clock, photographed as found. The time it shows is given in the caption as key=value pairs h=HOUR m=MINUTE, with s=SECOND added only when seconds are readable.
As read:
h=11 m=0
